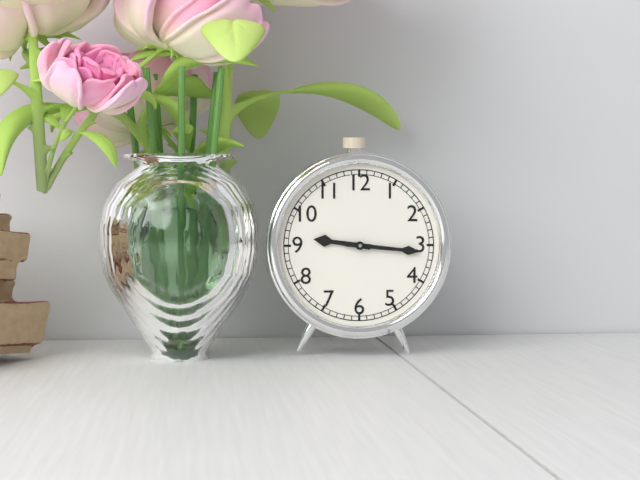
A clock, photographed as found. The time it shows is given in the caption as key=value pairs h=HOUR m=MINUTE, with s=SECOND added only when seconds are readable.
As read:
h=9 m=16
